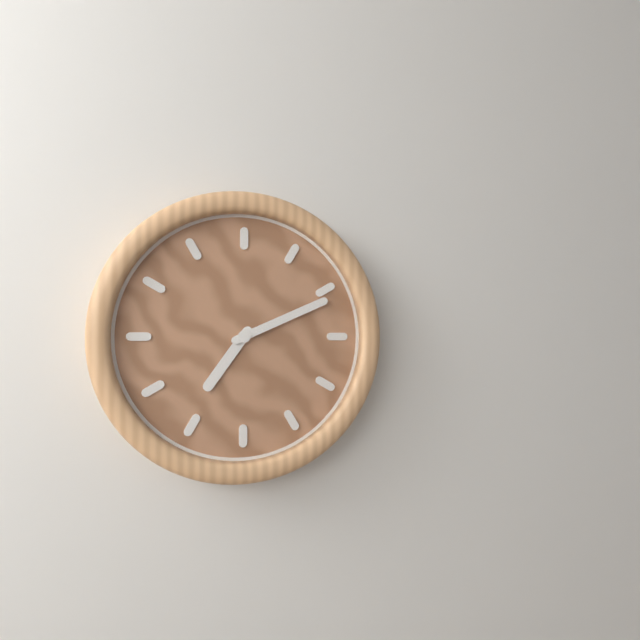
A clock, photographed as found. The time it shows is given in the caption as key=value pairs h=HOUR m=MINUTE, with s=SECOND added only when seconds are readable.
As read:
h=7 m=11
